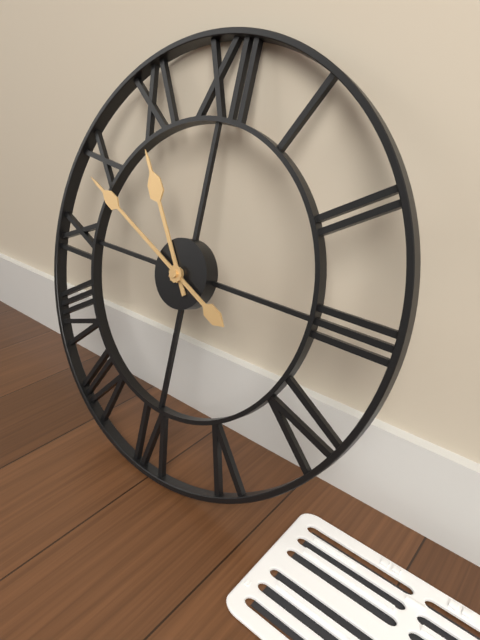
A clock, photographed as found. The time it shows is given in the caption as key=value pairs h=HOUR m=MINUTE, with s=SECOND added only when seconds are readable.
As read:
h=10 m=49
